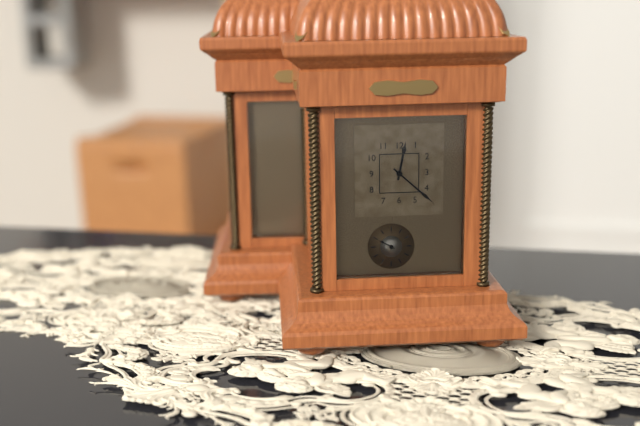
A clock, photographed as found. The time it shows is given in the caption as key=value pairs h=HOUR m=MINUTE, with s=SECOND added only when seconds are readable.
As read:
h=12 m=22
